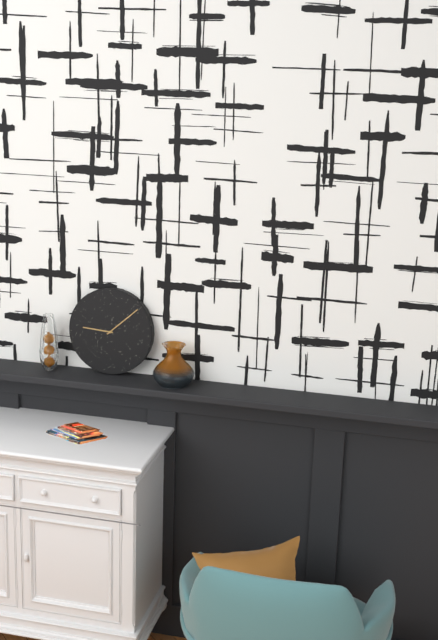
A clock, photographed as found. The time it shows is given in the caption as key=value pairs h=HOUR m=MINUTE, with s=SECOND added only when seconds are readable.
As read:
h=9 m=8
